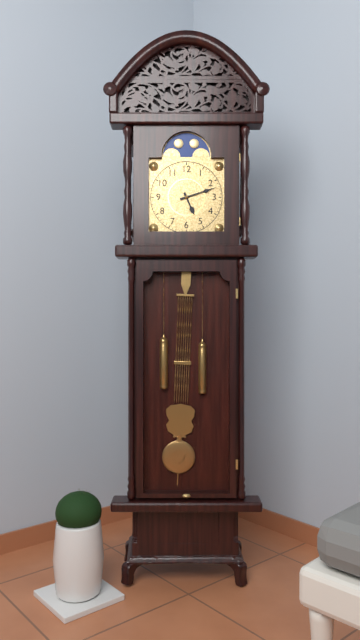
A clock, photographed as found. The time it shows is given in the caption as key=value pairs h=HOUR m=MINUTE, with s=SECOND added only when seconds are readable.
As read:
h=5 m=12
